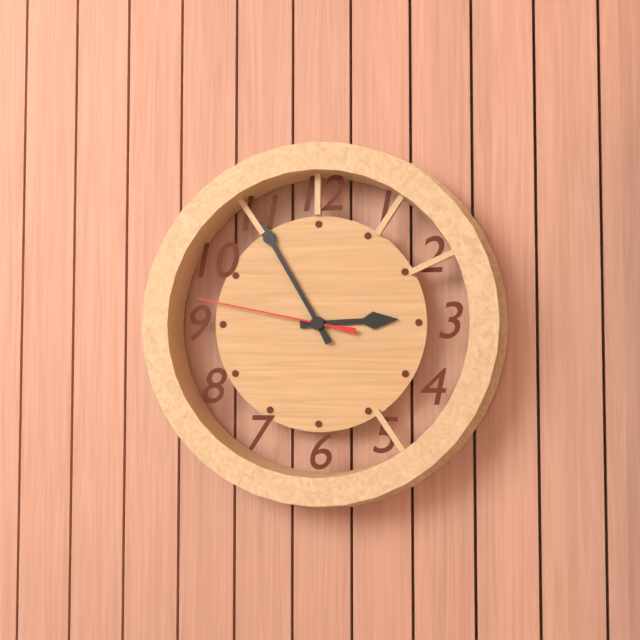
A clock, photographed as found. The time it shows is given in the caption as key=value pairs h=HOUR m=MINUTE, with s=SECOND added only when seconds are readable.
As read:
h=2 m=55 s=47
